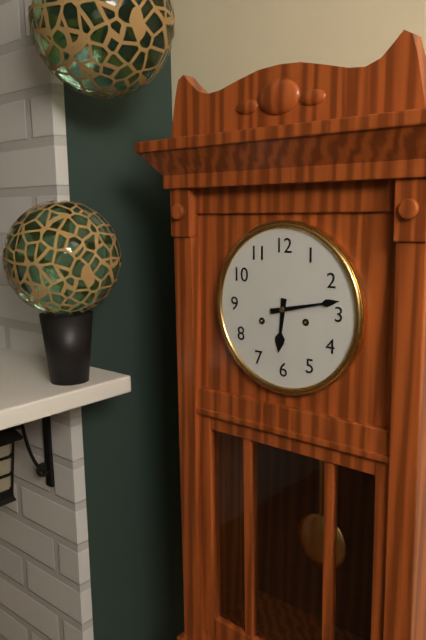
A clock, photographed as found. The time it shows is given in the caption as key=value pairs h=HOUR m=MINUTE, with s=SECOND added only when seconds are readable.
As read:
h=6 m=13
